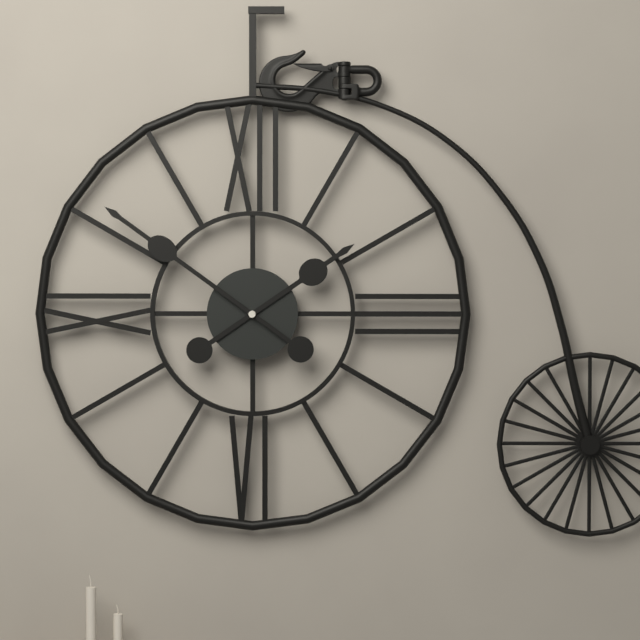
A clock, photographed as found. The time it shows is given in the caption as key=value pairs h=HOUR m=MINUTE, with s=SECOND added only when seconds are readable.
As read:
h=1 m=51
